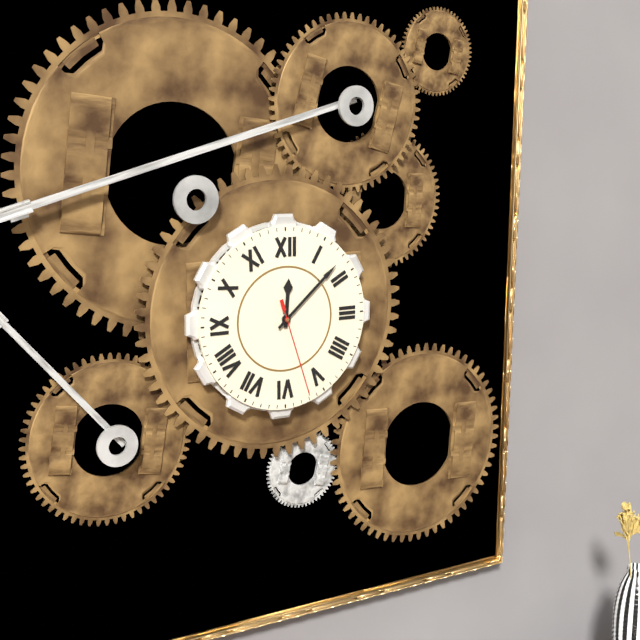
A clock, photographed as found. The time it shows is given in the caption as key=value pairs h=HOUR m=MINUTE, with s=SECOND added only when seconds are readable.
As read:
h=12 m=8 s=27
